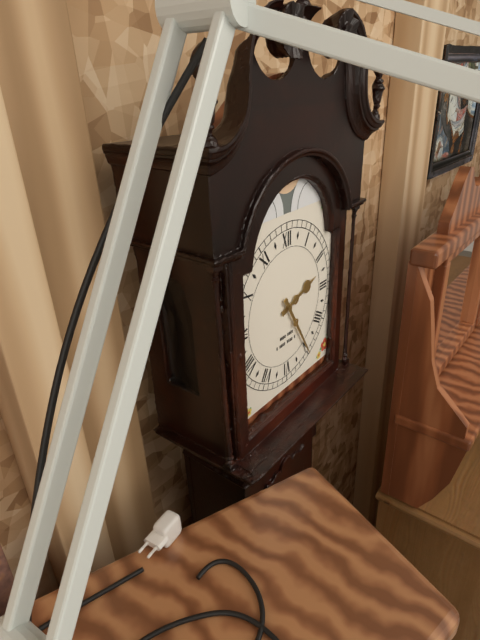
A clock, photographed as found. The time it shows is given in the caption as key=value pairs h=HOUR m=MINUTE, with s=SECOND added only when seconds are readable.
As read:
h=2 m=25
